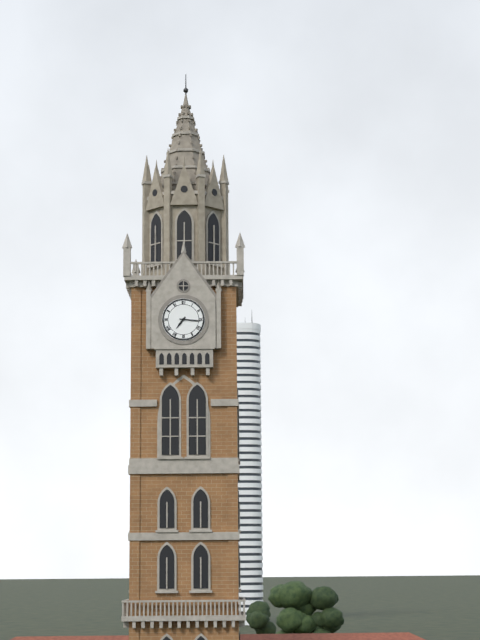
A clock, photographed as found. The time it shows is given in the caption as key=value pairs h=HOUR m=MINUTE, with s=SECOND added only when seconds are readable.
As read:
h=7 m=16
